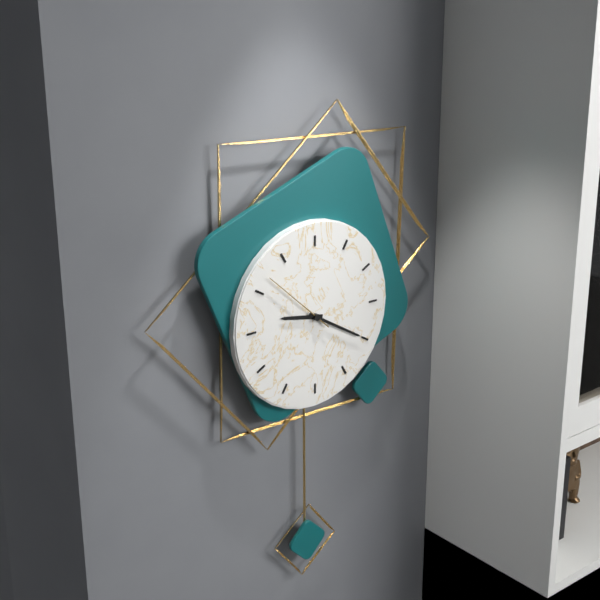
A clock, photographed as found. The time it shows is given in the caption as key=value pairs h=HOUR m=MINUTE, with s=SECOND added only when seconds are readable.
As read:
h=9 m=20 s=52
